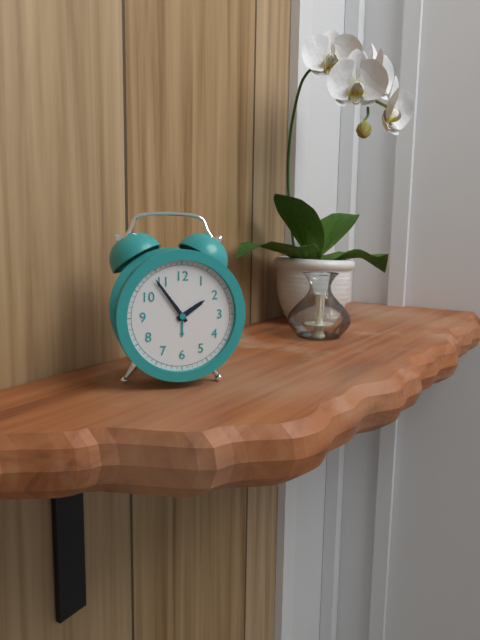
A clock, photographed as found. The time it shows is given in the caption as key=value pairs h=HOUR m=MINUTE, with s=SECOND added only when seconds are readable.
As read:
h=1 m=54
